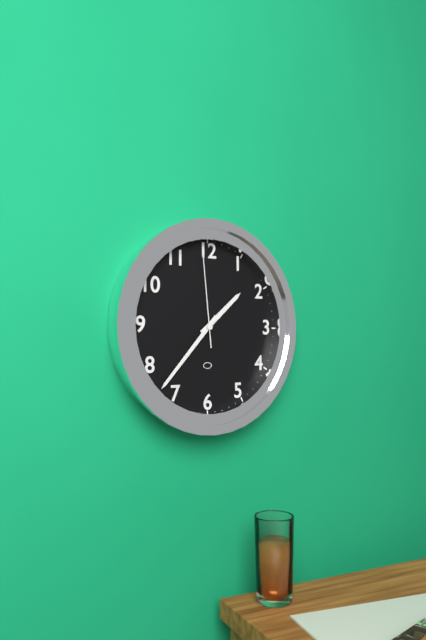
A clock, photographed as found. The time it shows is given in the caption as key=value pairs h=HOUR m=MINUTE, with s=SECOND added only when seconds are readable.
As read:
h=1 m=37 s=59
